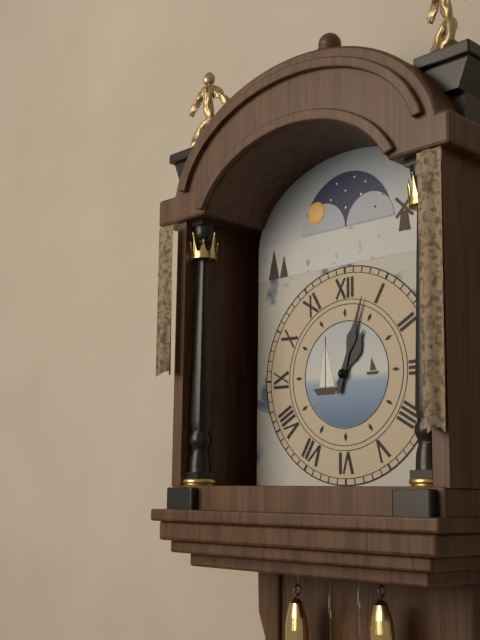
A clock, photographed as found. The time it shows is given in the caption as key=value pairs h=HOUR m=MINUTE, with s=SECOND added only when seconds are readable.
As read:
h=1 m=3
